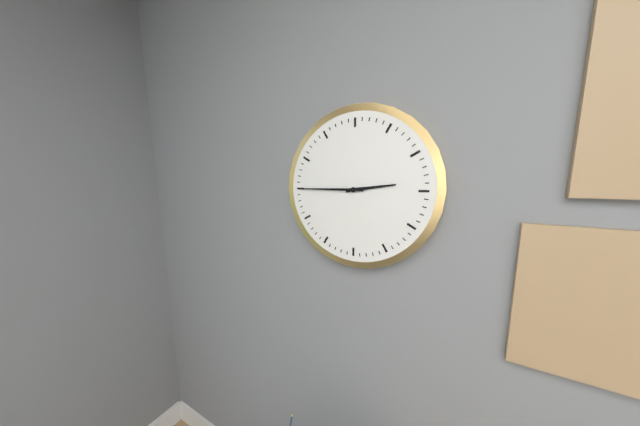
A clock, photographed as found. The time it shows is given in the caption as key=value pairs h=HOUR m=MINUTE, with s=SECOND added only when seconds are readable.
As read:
h=2 m=45
